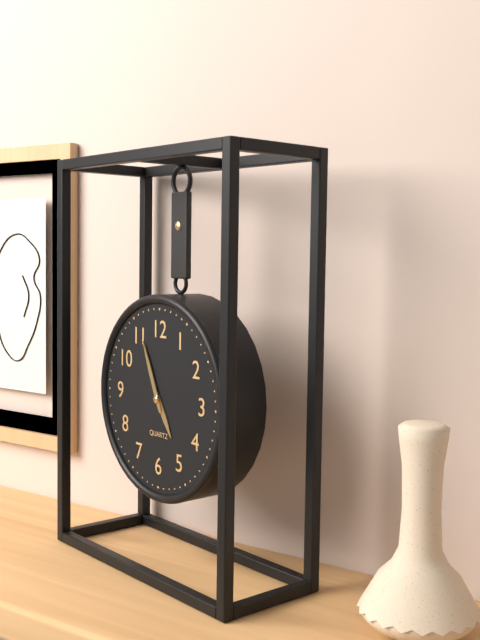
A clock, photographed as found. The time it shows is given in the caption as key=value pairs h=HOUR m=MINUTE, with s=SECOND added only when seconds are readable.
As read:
h=4 m=56
